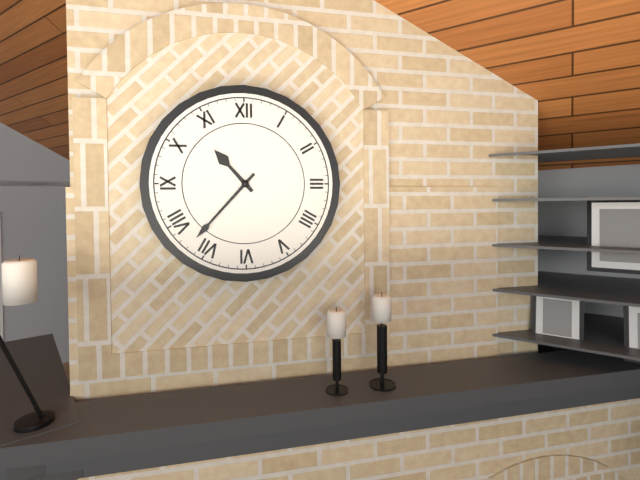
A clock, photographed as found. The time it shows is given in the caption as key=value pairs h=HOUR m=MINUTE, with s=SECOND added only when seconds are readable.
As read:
h=10 m=37
